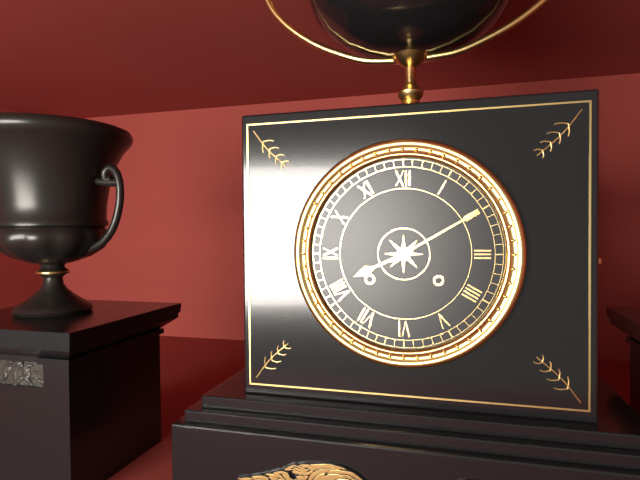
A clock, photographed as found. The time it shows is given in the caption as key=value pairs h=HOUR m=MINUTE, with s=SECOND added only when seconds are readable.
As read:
h=8 m=10
